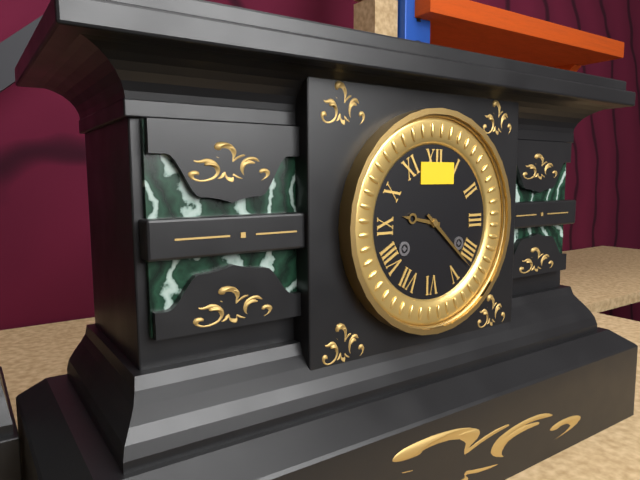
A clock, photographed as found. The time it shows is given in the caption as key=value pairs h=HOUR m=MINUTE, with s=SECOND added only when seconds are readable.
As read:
h=9 m=22
